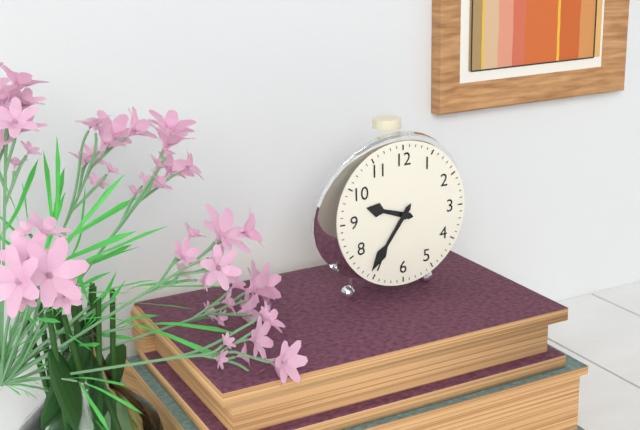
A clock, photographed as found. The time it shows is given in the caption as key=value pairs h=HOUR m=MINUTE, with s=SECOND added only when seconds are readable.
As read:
h=9 m=36
